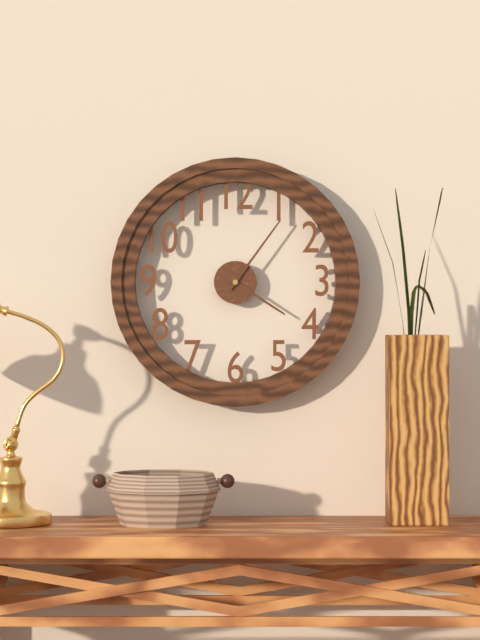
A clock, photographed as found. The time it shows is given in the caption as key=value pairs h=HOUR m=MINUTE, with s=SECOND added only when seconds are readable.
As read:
h=4 m=6
